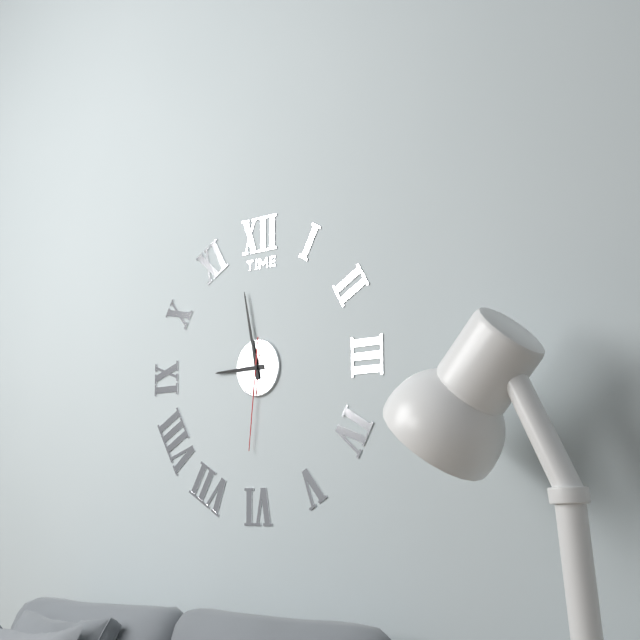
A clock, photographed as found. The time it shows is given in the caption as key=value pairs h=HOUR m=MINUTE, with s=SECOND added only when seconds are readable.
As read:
h=8 m=58 s=31
